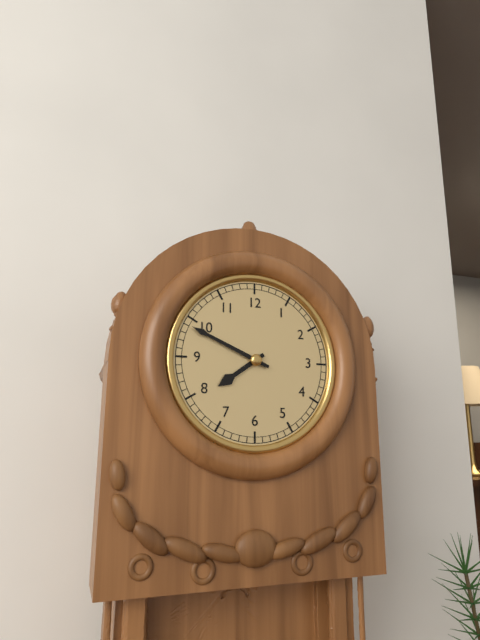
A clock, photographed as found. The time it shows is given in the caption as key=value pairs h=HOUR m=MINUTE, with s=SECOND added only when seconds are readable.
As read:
h=7 m=49
